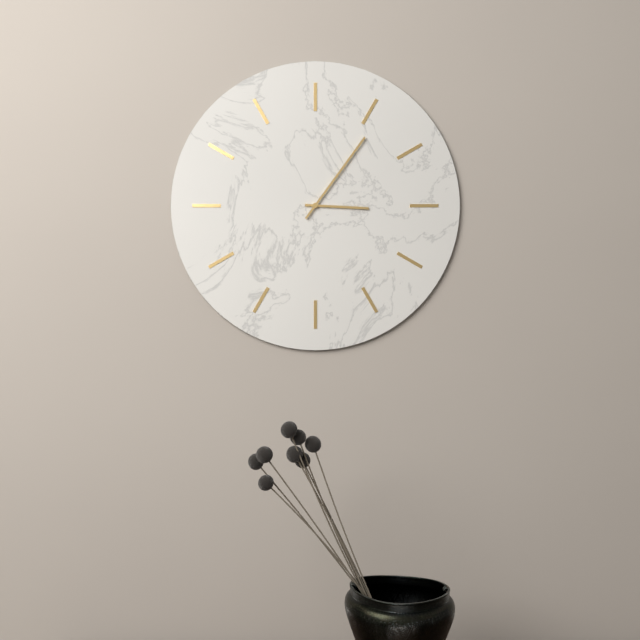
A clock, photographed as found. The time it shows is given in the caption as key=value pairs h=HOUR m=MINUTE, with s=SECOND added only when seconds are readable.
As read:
h=3 m=6
